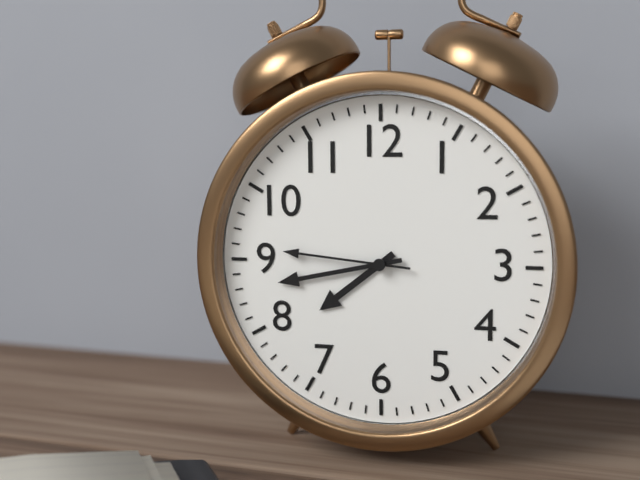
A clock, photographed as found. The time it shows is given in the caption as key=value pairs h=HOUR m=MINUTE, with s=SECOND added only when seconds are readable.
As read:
h=7 m=43 s=46
